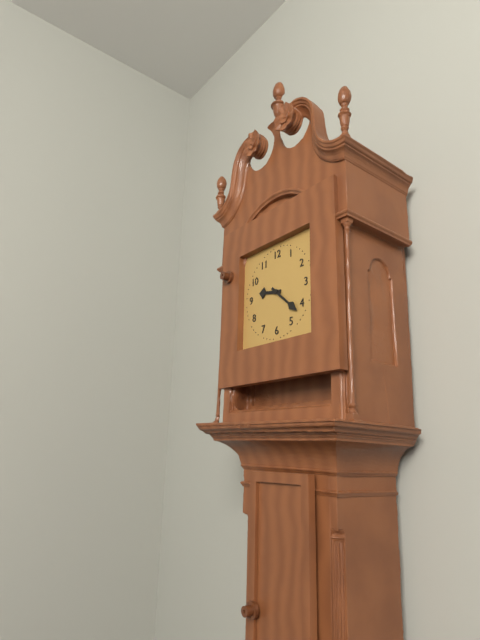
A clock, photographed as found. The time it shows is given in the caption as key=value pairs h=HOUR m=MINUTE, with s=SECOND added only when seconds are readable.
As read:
h=9 m=22
